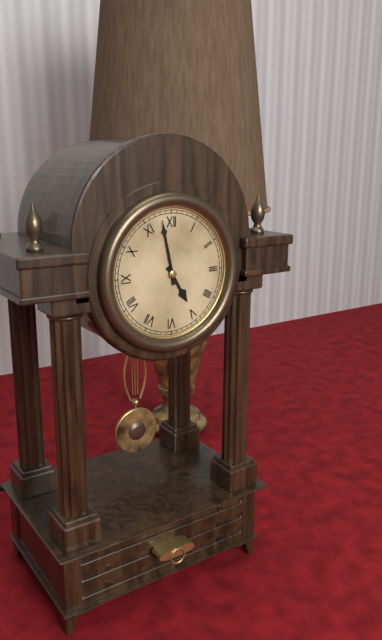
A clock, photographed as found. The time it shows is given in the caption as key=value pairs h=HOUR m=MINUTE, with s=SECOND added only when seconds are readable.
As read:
h=4 m=58
